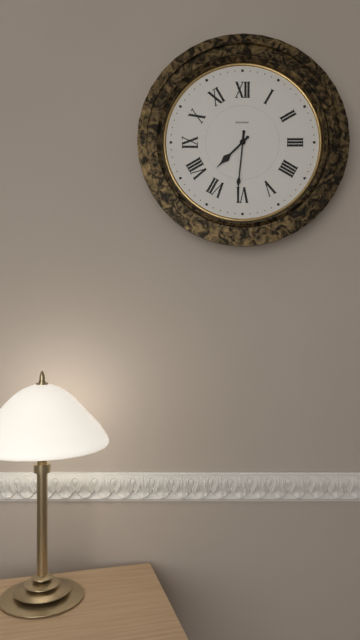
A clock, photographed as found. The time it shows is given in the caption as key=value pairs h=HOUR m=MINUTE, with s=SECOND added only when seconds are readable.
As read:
h=7 m=31
